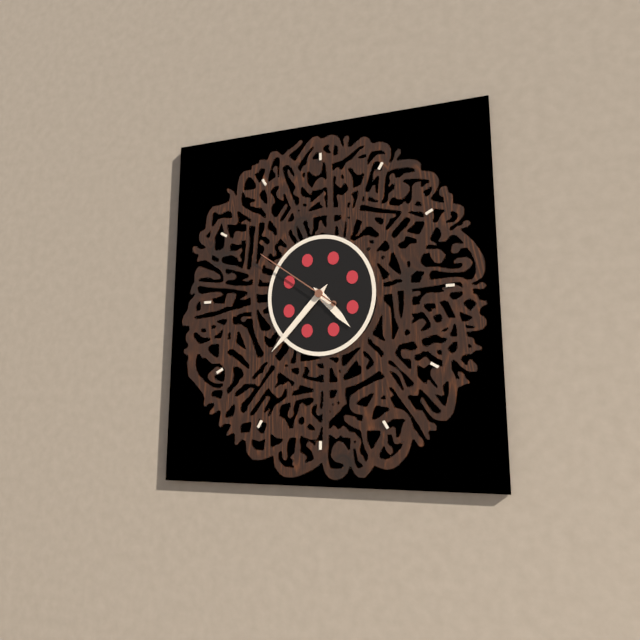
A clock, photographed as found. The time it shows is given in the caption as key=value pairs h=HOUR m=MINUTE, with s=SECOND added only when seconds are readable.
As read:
h=4 m=37 s=51
